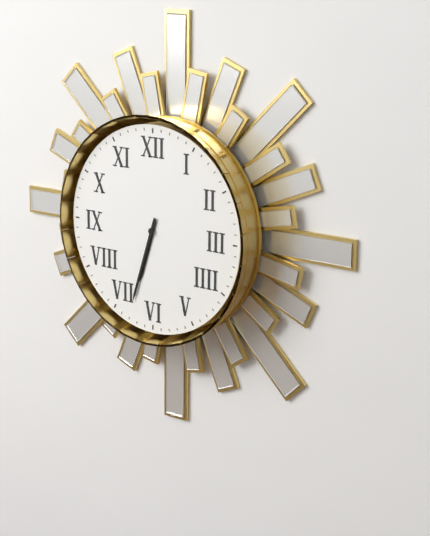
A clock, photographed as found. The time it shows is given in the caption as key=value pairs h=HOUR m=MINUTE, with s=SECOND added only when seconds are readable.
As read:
h=6 m=33
